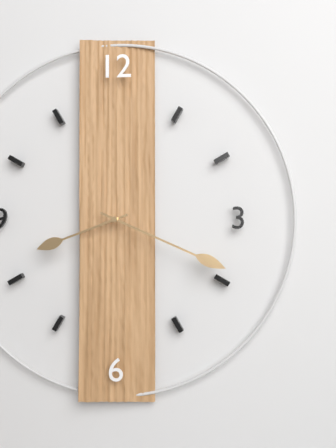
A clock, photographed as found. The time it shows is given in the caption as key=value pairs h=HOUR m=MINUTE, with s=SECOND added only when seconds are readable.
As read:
h=8 m=19
